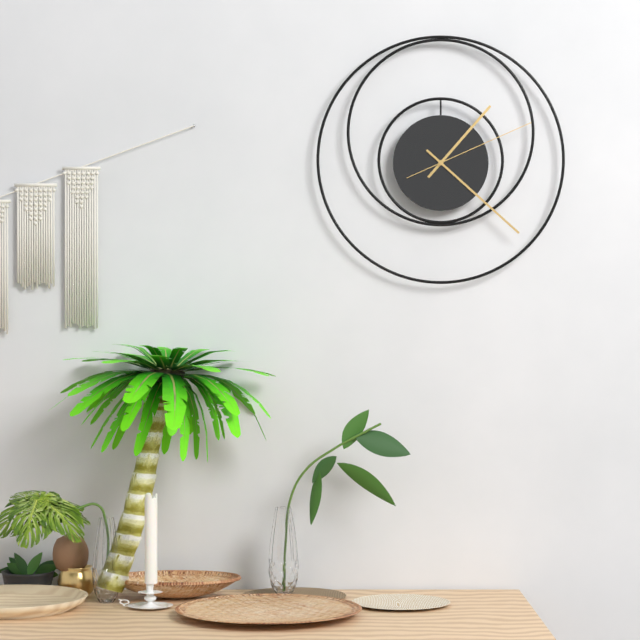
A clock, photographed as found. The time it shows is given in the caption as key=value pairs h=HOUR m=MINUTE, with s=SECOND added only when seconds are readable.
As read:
h=1 m=22 s=11
